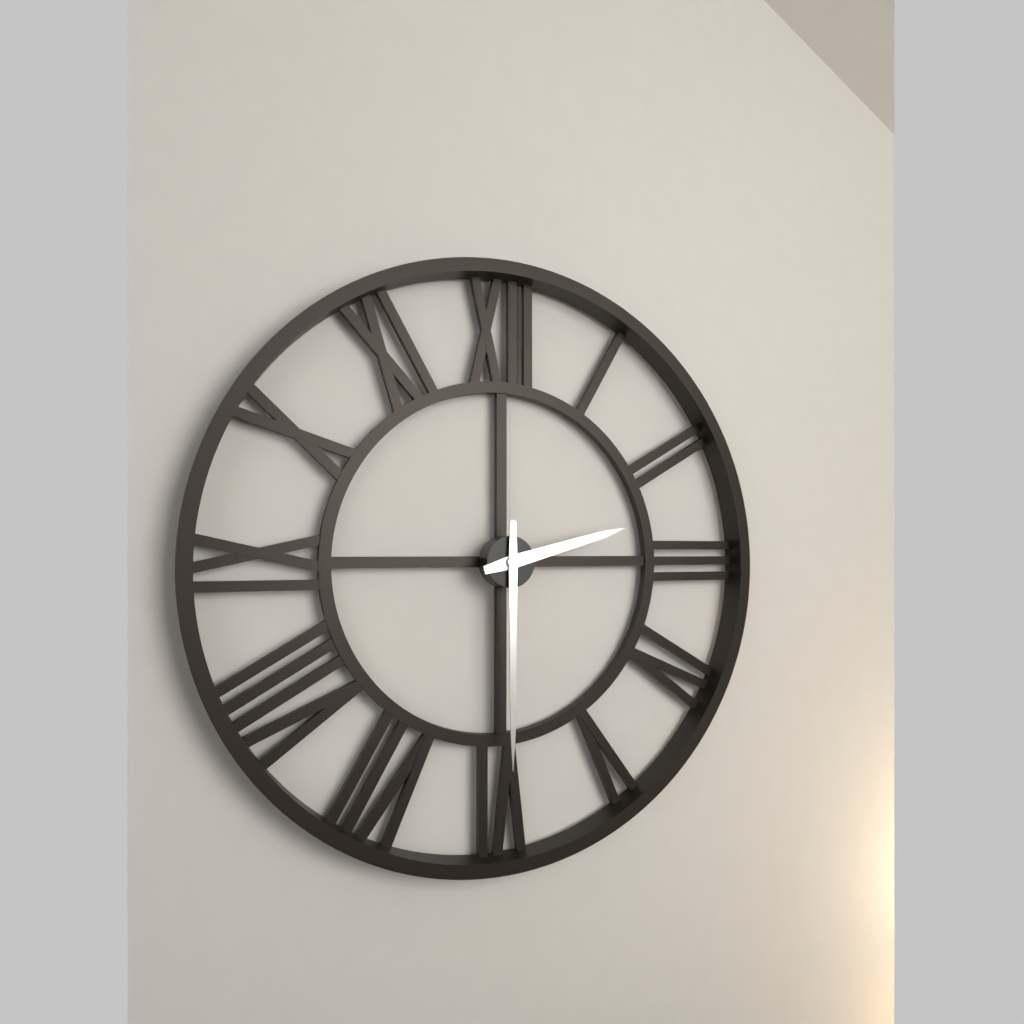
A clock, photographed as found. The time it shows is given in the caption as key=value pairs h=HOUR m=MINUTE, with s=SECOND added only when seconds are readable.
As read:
h=2 m=30
